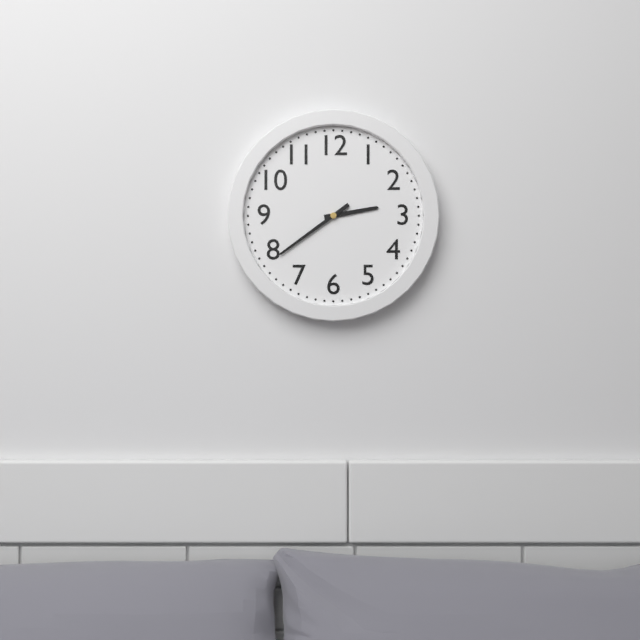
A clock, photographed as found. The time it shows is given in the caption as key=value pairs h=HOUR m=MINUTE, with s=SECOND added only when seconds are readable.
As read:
h=2 m=39
